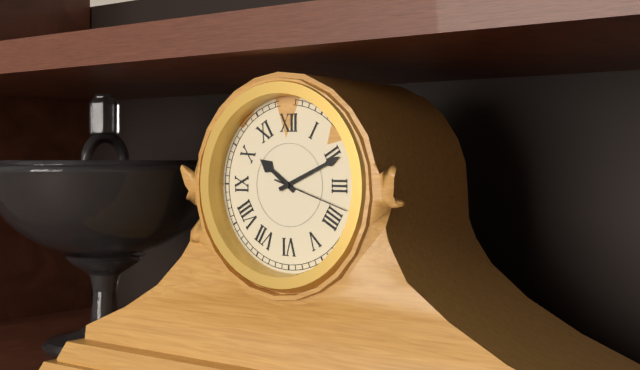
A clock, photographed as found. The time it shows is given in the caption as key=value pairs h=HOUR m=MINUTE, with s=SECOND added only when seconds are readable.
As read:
h=10 m=11 s=18
